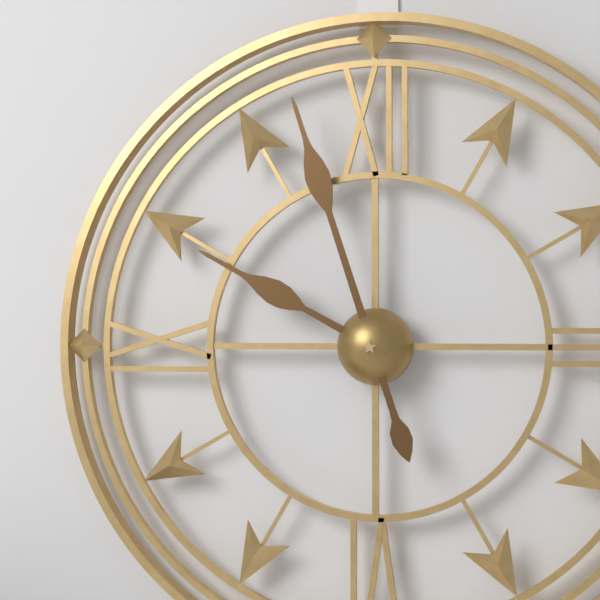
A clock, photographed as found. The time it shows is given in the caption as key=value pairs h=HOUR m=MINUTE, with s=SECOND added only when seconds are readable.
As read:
h=9 m=57
